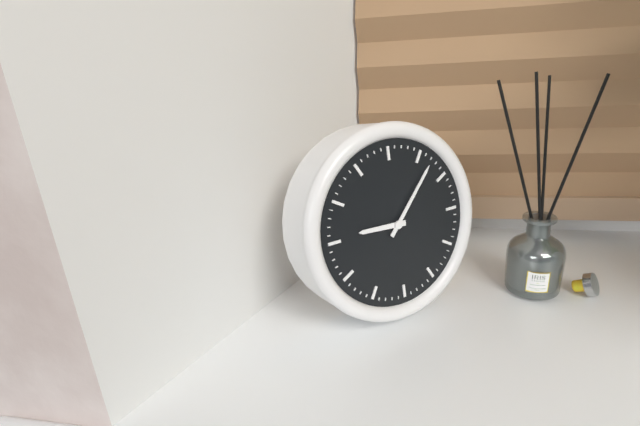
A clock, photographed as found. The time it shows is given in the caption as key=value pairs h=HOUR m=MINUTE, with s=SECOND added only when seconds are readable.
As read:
h=9 m=7
